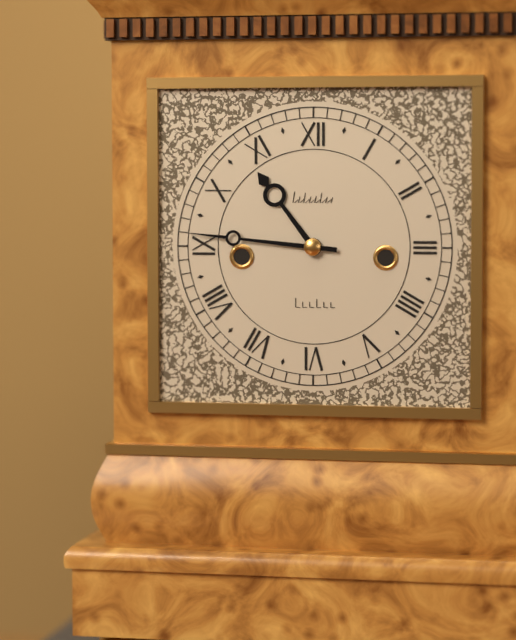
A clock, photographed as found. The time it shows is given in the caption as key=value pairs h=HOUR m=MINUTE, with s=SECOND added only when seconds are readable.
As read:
h=10 m=46
